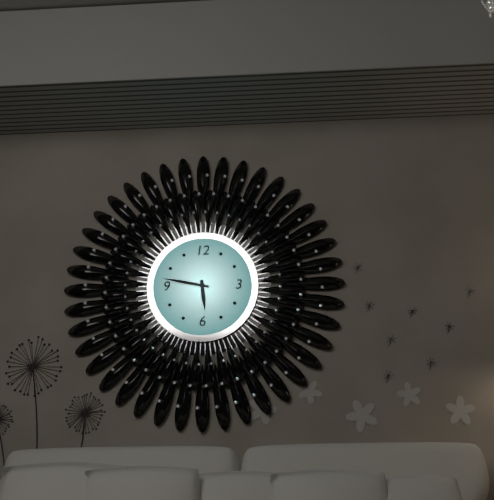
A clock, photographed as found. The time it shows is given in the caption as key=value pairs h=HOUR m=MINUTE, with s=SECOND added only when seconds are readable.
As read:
h=5 m=47
